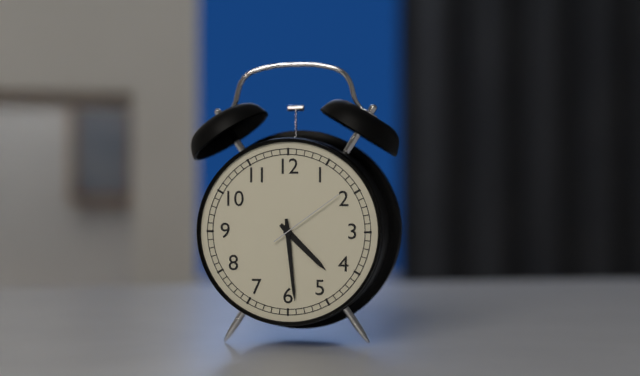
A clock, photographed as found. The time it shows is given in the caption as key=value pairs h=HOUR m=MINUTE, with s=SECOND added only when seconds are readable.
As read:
h=4 m=29 s=9
